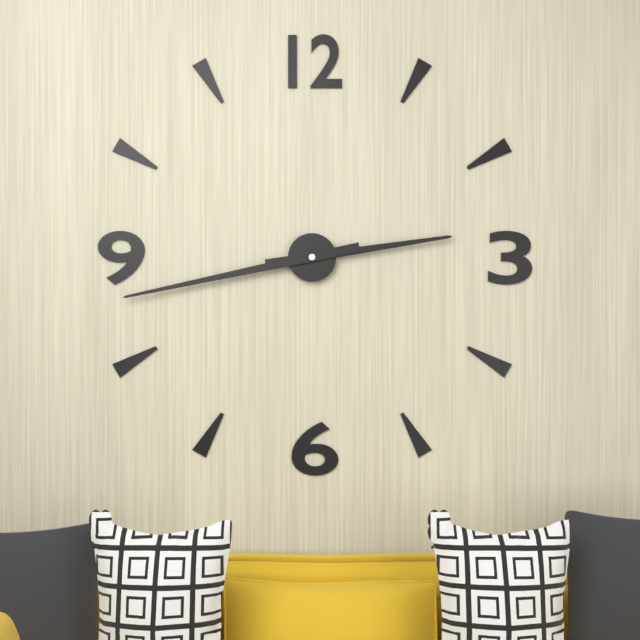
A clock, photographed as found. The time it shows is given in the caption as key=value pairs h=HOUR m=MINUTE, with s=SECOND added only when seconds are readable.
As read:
h=2 m=43
